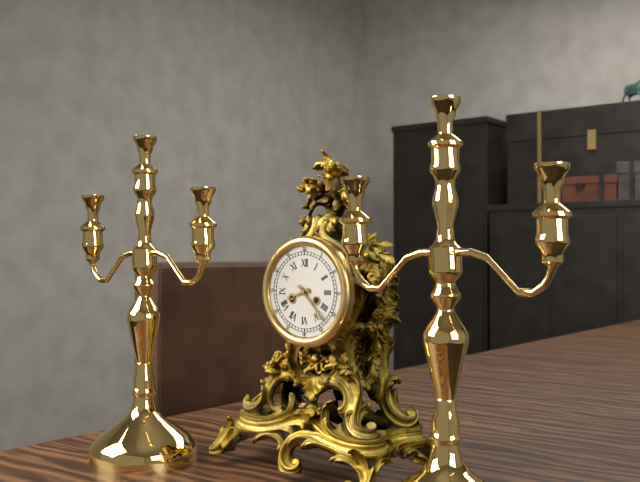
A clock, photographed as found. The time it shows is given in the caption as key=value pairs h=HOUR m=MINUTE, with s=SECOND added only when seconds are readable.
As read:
h=8 m=23
